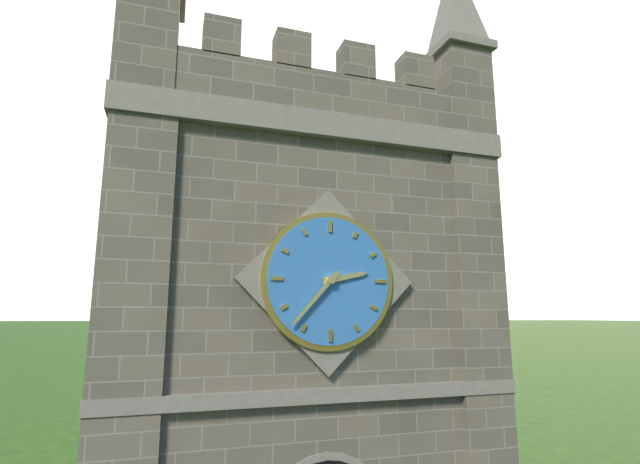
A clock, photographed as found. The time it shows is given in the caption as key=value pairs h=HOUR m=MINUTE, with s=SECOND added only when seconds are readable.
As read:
h=2 m=37
